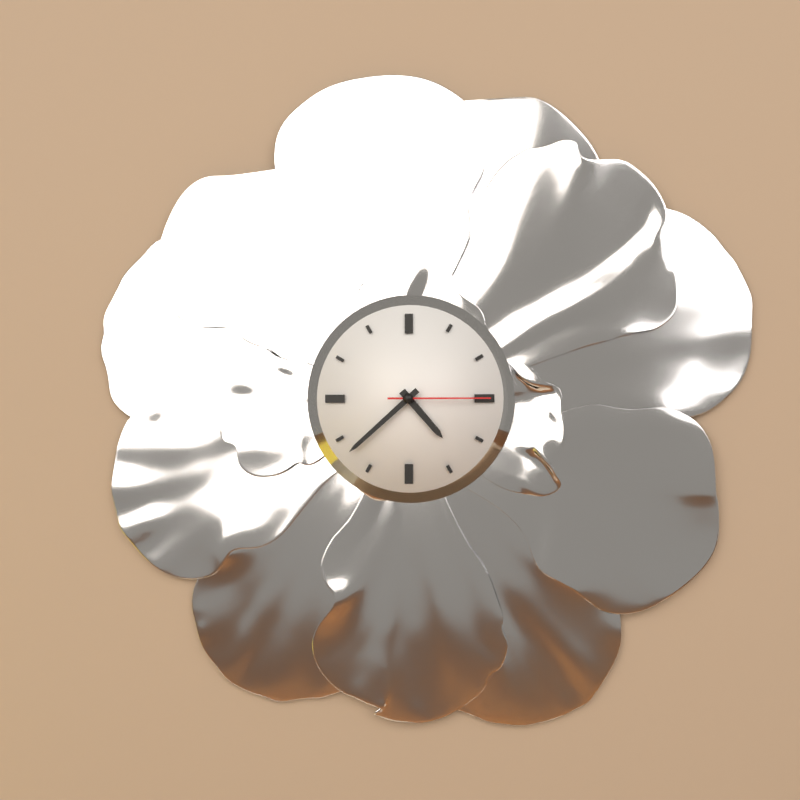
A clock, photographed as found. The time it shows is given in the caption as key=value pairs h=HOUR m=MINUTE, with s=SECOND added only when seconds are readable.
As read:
h=4 m=38 s=15
